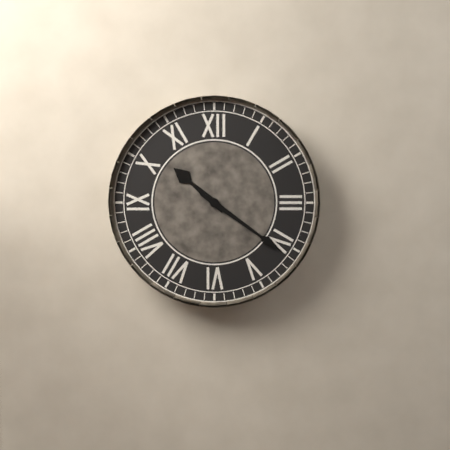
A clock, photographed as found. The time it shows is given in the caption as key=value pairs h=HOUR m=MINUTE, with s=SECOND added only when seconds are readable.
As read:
h=10 m=21
